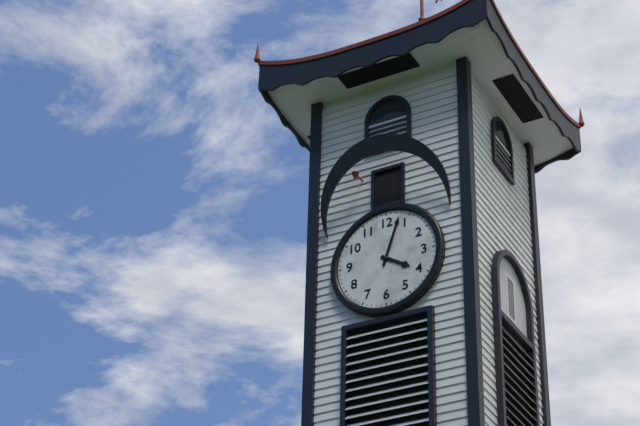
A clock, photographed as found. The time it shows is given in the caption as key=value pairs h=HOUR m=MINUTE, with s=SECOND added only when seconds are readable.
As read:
h=4 m=3
